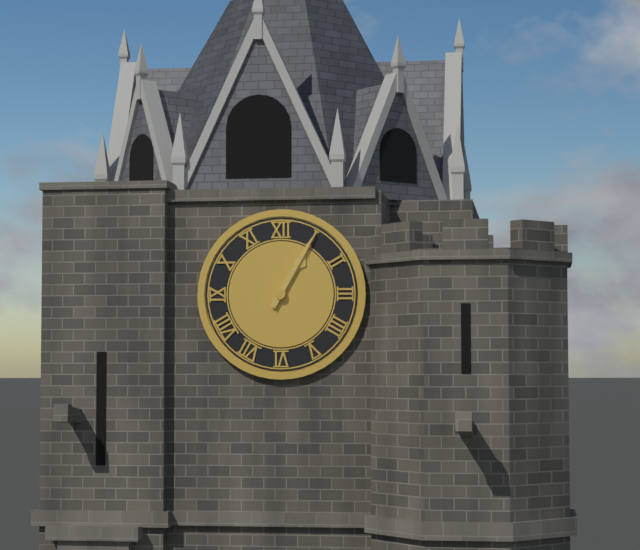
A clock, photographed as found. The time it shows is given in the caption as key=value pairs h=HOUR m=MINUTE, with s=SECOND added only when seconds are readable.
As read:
h=1 m=5
